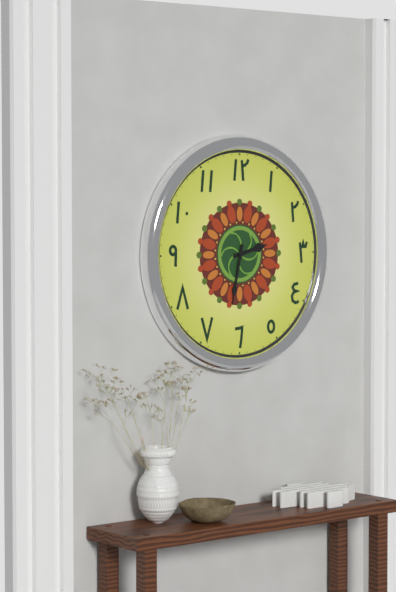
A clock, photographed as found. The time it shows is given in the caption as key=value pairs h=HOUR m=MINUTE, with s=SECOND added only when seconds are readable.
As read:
h=2 m=32
